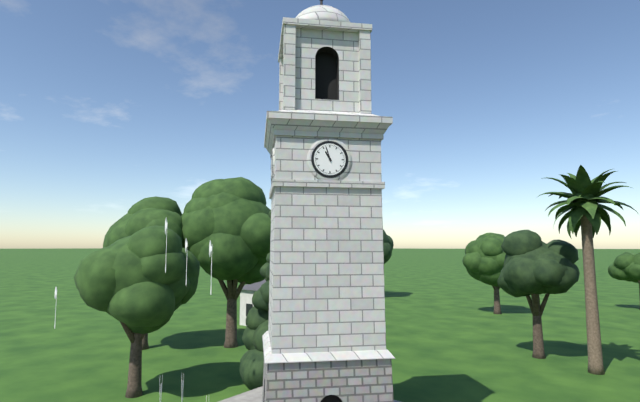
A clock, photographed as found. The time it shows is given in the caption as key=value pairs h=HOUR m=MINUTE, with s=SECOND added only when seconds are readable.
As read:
h=10 m=57
